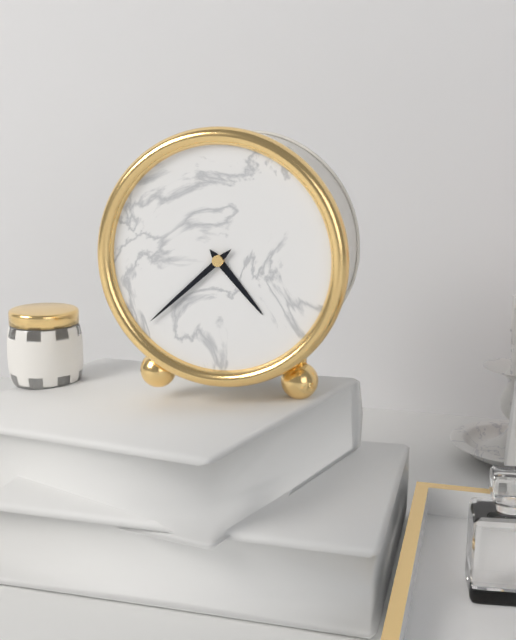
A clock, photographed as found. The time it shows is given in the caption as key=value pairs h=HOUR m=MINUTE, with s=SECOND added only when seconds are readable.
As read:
h=4 m=38
